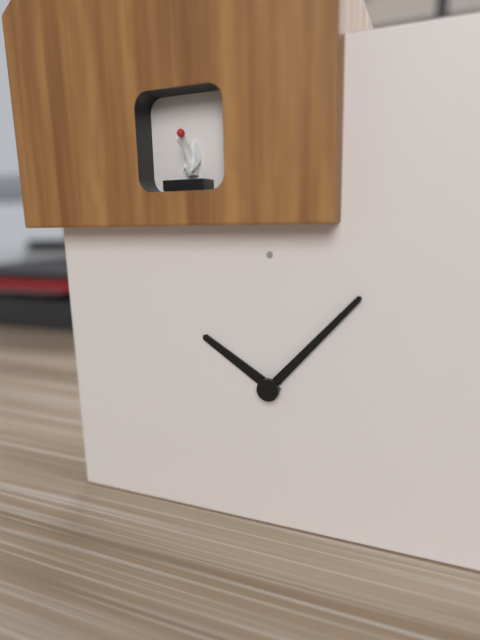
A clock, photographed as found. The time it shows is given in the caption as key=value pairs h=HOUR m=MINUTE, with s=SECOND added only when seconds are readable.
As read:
h=10 m=7
